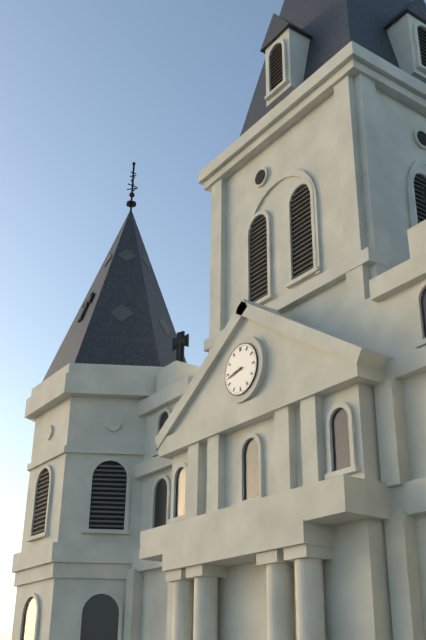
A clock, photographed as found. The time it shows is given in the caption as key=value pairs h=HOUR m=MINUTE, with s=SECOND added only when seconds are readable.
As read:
h=8 m=43
